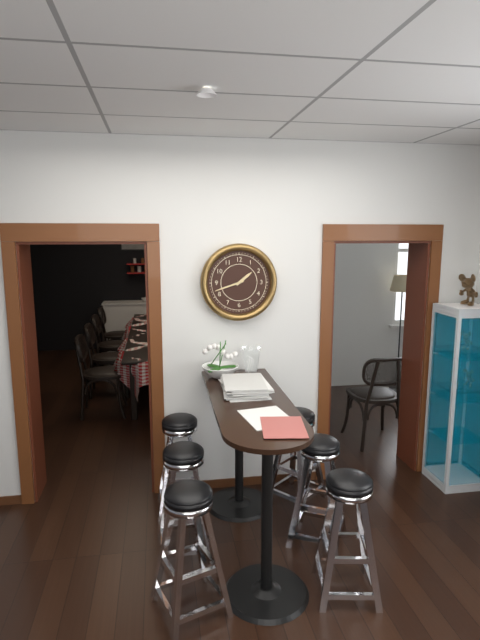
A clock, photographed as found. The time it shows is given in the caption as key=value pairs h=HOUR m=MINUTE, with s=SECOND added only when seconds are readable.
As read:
h=1 m=42
